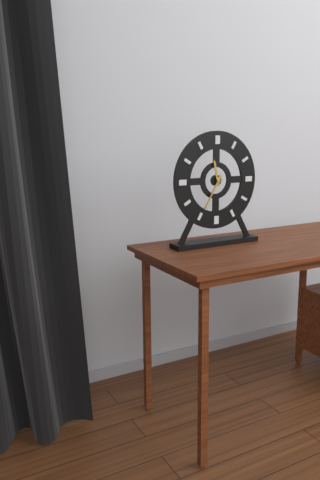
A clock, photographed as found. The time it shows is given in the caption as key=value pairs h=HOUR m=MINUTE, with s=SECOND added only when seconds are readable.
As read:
h=11 m=35
